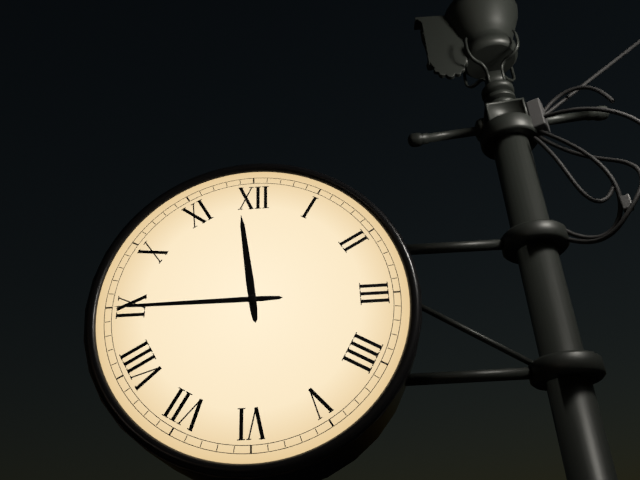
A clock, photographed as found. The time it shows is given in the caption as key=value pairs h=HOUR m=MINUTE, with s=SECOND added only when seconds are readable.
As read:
h=11 m=45
